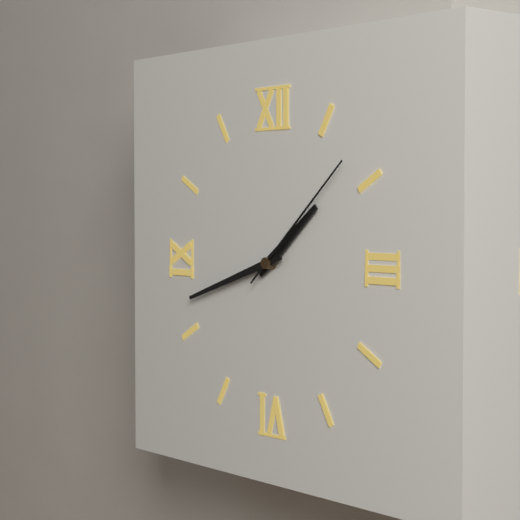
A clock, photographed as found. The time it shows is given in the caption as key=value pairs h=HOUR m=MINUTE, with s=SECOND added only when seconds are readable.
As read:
h=1 m=42 s=8
